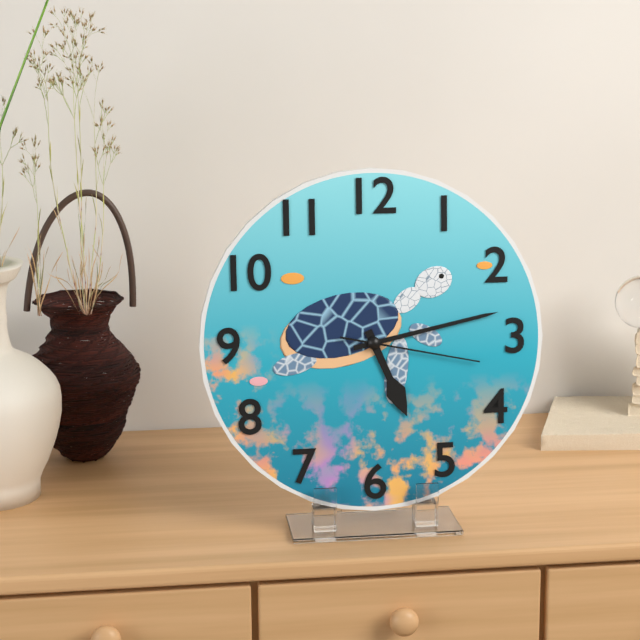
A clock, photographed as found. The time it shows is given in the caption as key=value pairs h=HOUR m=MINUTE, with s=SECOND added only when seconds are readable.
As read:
h=5 m=13 s=17
